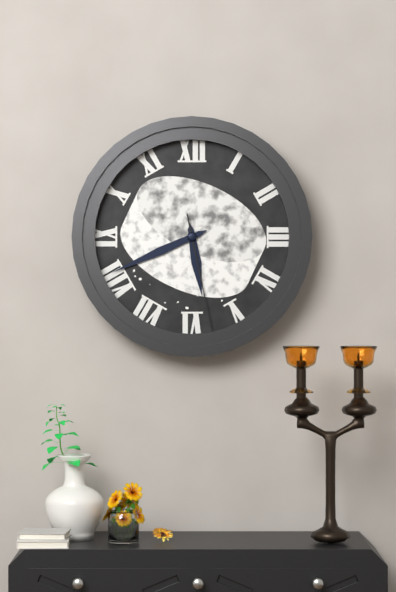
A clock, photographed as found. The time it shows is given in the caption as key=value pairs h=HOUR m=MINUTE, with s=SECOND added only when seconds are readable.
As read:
h=5 m=41 s=28
